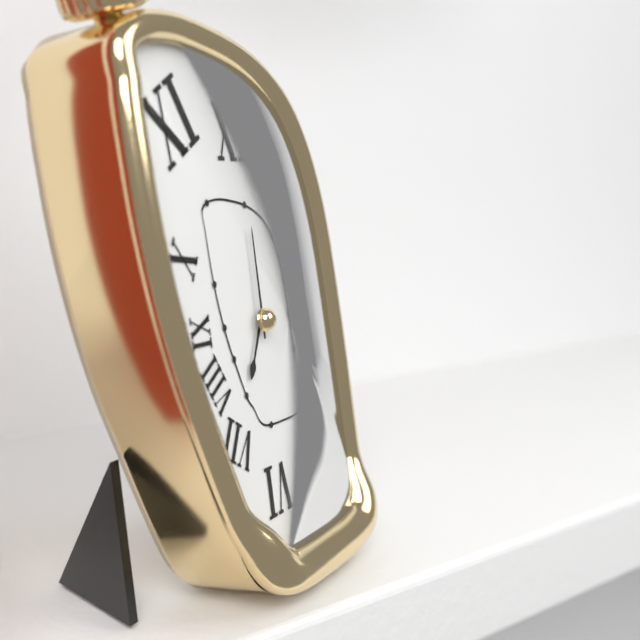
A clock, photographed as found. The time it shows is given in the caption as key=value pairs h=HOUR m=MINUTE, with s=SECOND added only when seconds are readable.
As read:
h=7 m=0
